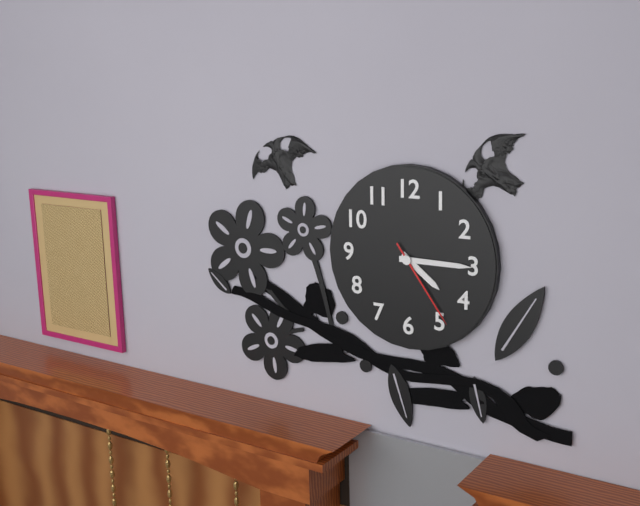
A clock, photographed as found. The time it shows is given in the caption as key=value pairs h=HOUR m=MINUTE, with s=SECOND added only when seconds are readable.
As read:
h=4 m=15 s=24
